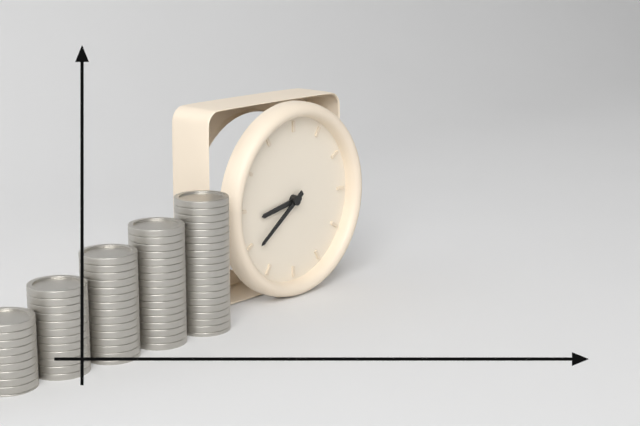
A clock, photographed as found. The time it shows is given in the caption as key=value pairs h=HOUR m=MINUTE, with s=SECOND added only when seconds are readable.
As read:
h=8 m=39
